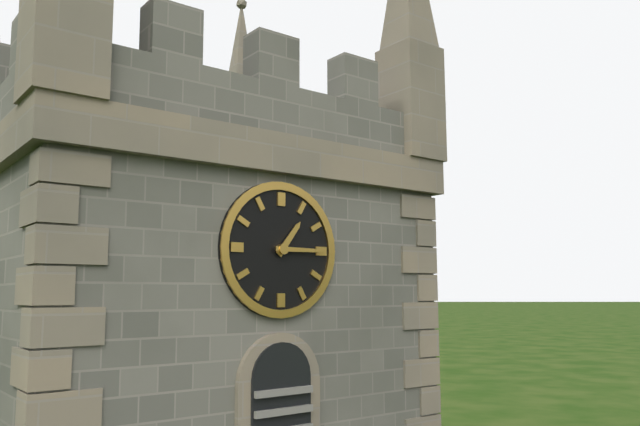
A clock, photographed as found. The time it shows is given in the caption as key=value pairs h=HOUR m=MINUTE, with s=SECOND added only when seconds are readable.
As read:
h=1 m=15
